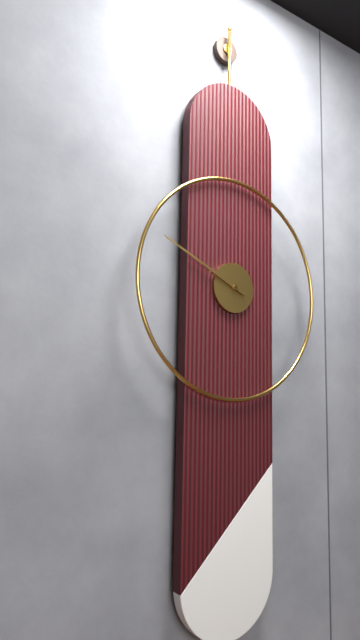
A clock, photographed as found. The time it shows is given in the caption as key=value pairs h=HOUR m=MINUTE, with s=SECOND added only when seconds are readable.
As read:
h=9 m=49
